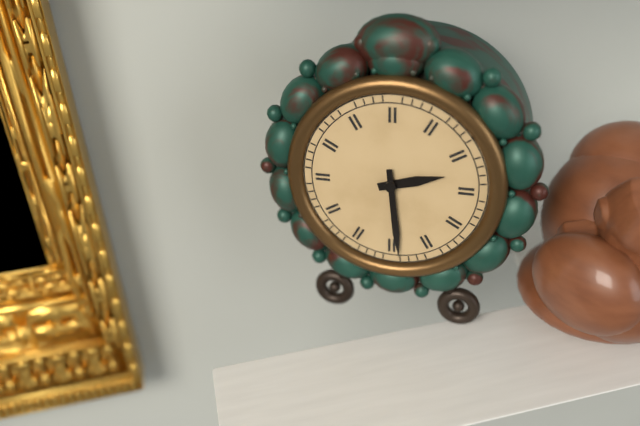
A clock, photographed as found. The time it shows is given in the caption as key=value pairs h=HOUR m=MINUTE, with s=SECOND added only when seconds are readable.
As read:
h=2 m=29
